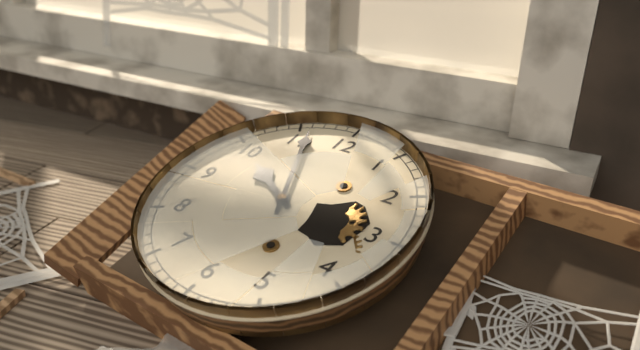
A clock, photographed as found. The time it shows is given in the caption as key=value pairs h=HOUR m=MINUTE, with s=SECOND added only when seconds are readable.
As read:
h=9 m=56
